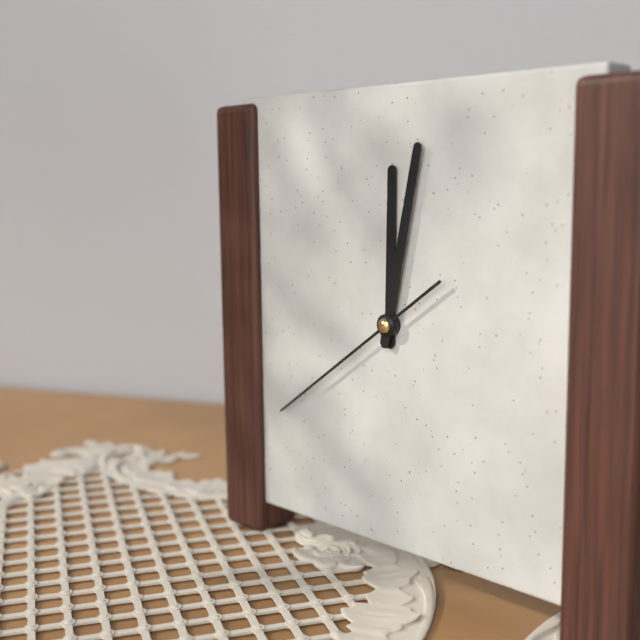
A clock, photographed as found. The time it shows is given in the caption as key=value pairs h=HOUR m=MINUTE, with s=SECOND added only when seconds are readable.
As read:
h=12 m=2 s=39
